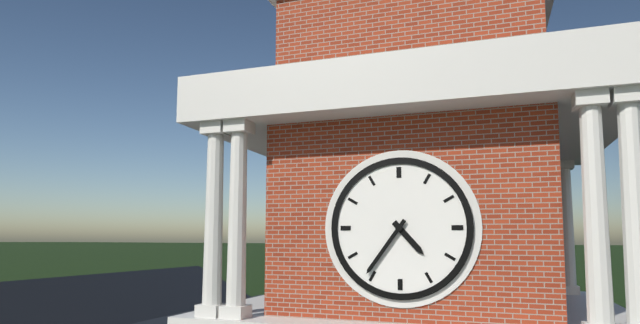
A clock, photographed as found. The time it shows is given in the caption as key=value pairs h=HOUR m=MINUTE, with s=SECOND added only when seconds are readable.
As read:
h=4 m=36
